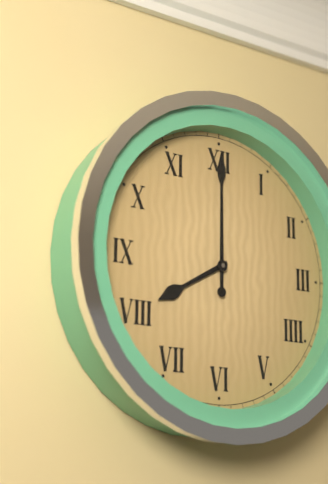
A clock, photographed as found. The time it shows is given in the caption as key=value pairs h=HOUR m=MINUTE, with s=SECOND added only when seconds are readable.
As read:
h=8 m=0
